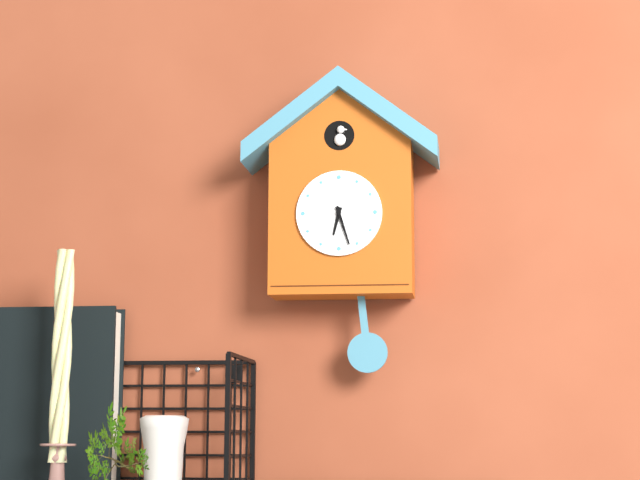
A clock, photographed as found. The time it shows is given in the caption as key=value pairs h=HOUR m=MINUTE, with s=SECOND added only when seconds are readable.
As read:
h=6 m=27
